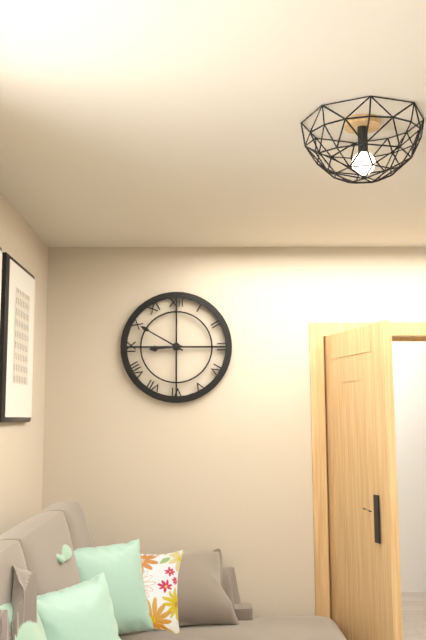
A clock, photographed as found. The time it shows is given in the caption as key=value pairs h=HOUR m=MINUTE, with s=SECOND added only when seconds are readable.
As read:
h=8 m=50
